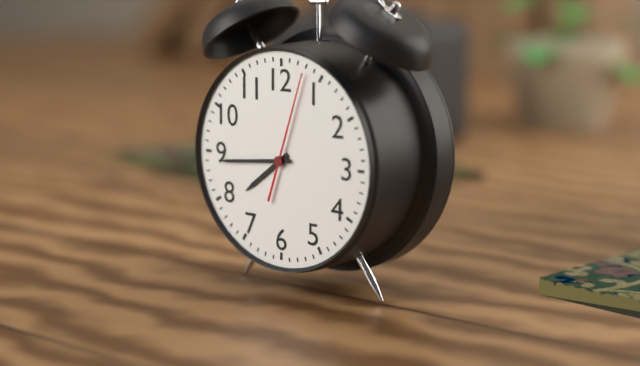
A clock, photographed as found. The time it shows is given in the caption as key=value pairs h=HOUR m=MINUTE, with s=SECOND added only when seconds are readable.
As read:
h=7 m=44 s=3
